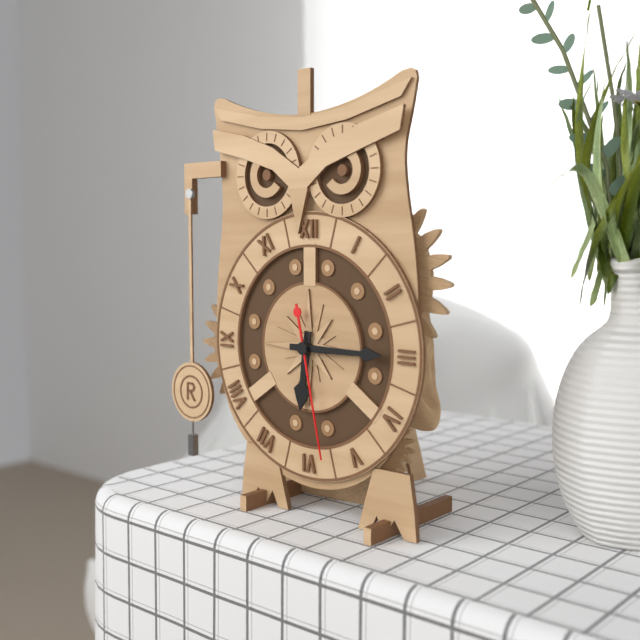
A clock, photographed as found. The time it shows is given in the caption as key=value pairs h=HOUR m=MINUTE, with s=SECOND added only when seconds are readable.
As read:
h=6 m=15 s=28
